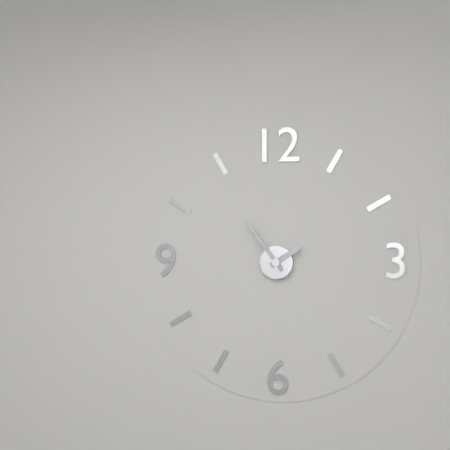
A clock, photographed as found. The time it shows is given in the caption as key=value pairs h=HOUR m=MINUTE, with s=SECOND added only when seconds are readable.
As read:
h=1 m=54
